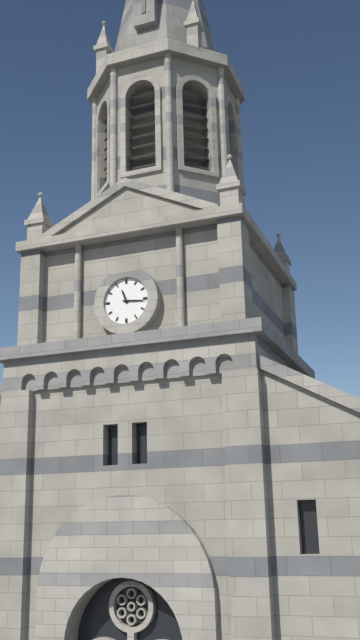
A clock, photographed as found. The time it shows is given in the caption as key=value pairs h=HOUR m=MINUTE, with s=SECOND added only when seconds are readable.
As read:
h=11 m=16
